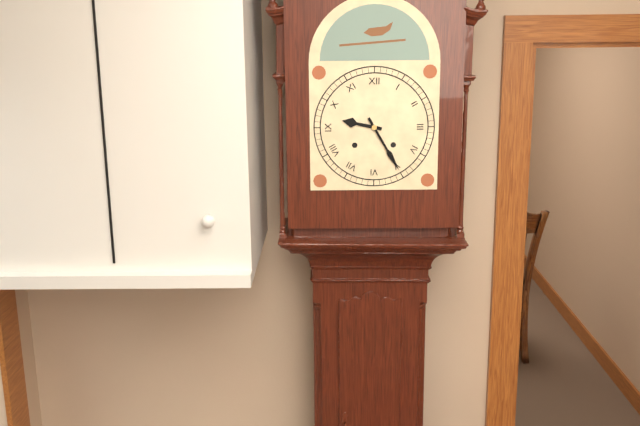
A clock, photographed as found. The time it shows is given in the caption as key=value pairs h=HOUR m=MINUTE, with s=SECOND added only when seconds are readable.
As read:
h=9 m=25
